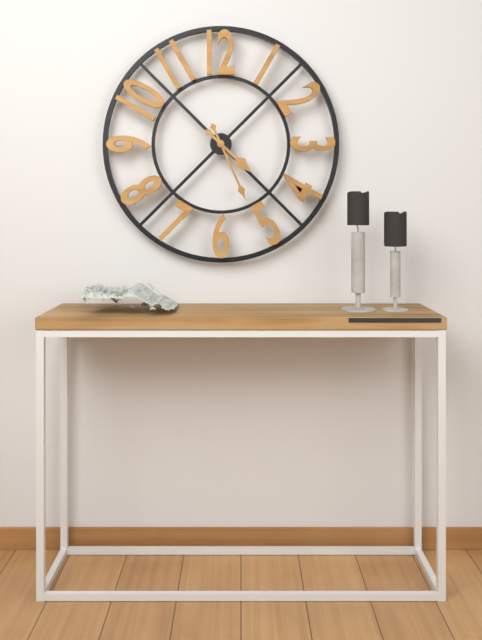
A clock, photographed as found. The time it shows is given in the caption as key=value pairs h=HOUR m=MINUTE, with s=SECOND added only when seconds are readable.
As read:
h=4 m=26
